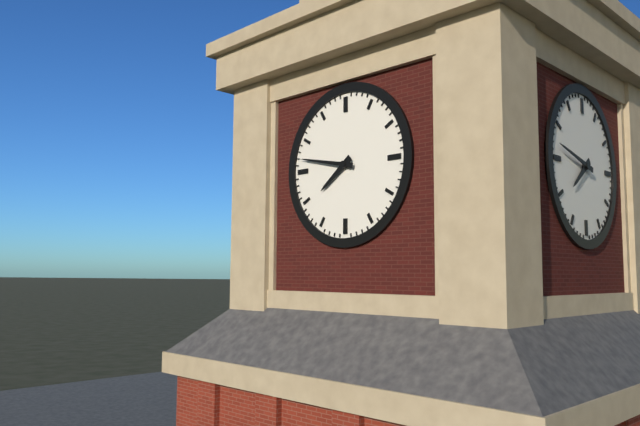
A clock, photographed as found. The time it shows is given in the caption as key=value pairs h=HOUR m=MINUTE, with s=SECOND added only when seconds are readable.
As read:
h=7 m=47
